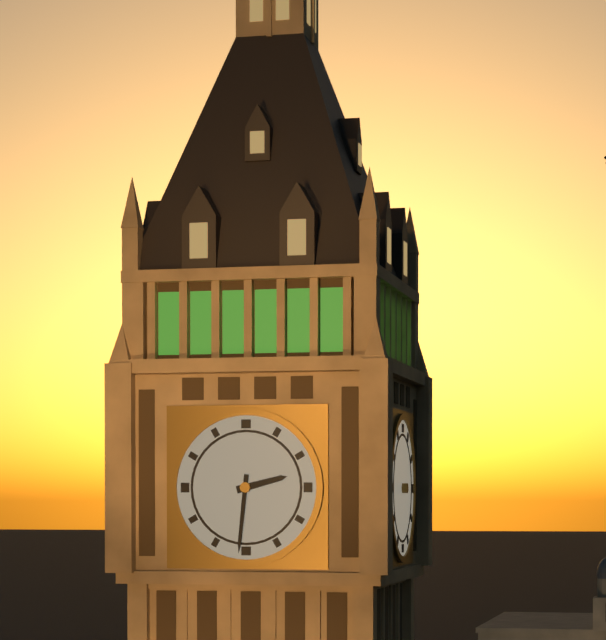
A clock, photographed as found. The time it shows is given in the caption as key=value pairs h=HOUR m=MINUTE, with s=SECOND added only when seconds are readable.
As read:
h=2 m=31
